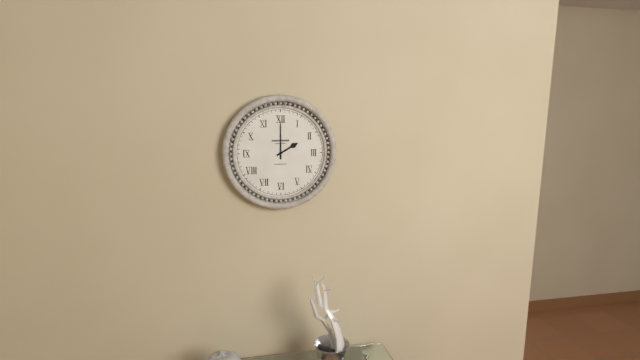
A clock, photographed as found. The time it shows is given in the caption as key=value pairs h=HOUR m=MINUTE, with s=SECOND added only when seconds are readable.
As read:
h=2 m=0
